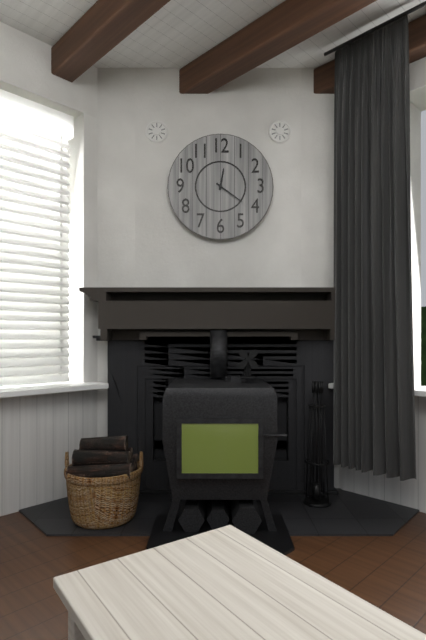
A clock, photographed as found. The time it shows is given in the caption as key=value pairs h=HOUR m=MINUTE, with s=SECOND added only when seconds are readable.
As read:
h=12 m=21
